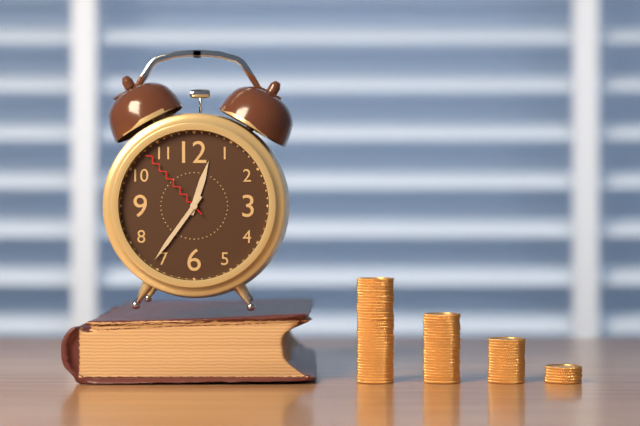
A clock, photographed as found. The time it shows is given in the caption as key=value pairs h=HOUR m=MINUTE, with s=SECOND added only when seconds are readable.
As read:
h=12 m=36 s=53
